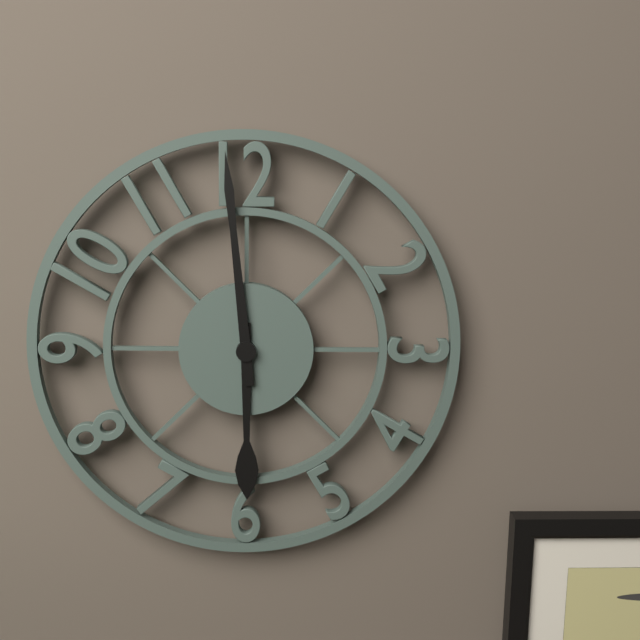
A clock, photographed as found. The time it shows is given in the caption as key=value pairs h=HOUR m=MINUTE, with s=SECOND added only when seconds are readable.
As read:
h=5 m=59
